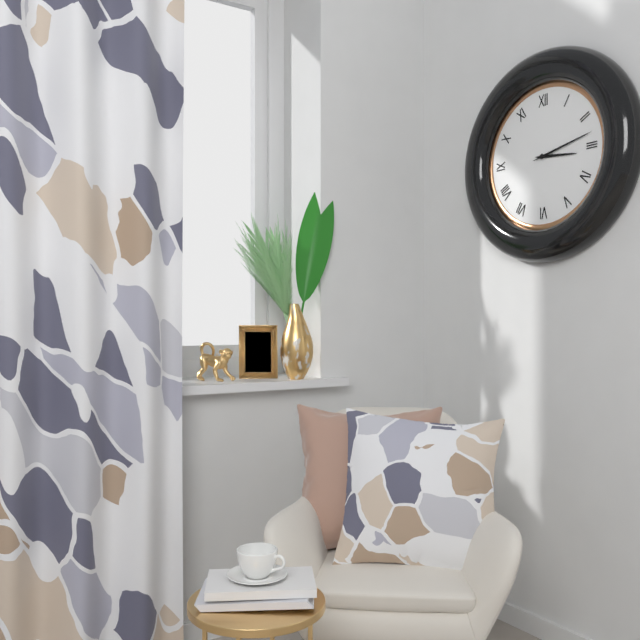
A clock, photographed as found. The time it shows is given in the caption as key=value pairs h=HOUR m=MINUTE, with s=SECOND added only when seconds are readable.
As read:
h=3 m=13
